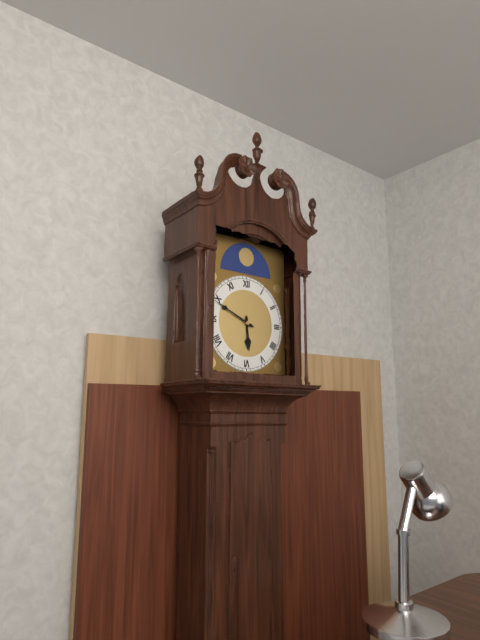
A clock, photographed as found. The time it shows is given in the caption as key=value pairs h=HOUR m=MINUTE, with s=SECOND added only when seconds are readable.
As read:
h=5 m=49
